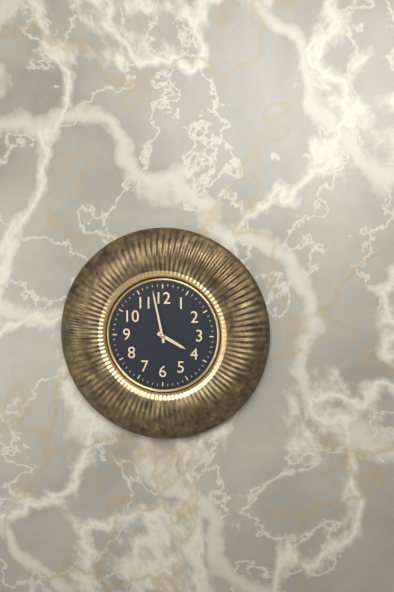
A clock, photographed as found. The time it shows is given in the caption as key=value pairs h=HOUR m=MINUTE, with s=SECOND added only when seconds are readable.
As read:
h=3 m=58
